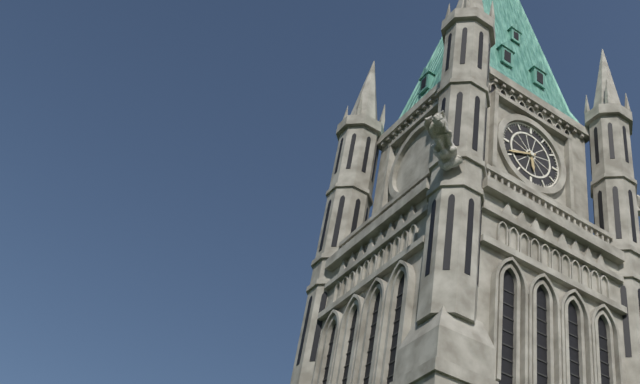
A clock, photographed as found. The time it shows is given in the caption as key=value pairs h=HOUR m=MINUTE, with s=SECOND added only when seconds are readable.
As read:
h=5 m=41
